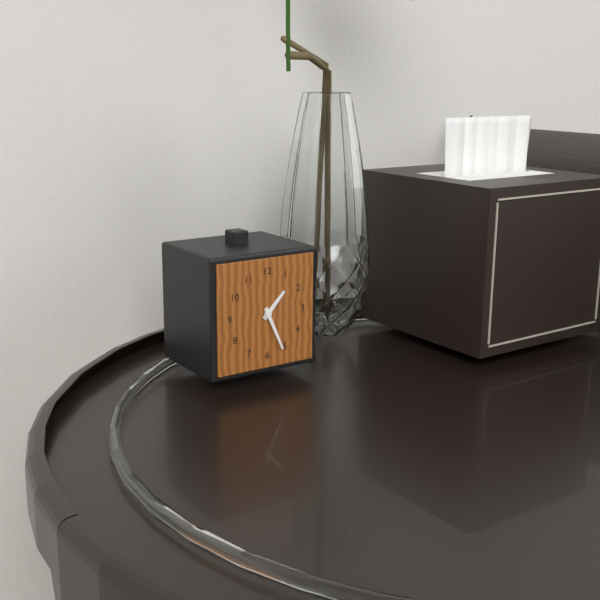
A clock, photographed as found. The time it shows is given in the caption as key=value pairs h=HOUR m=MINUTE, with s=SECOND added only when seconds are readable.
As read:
h=1 m=26
